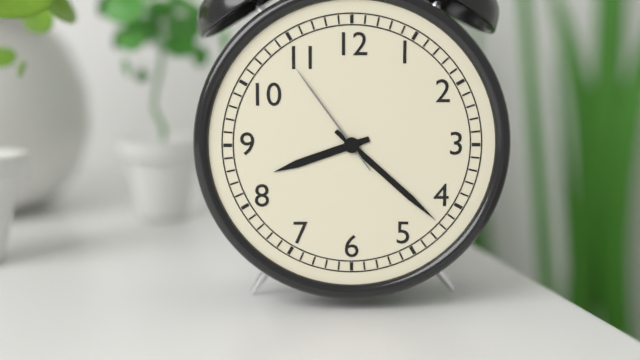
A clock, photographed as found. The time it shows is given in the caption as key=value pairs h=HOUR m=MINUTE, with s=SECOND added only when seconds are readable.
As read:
h=8 m=22 s=54
